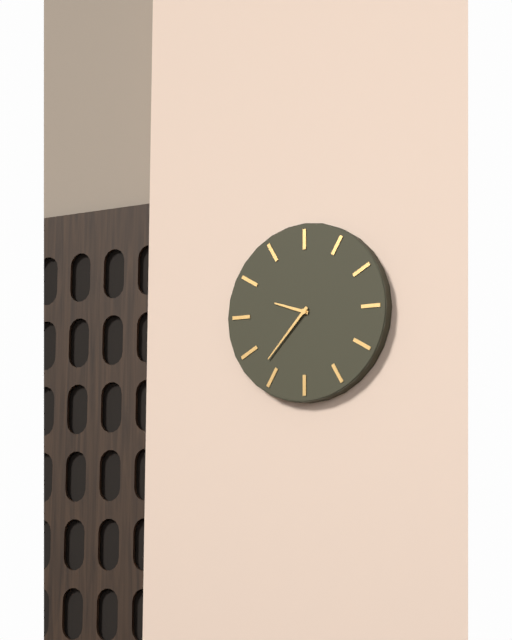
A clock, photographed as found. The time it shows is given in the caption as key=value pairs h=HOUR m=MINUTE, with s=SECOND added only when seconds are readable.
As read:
h=9 m=37
